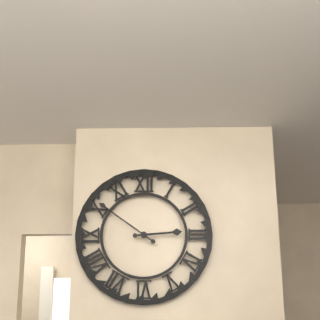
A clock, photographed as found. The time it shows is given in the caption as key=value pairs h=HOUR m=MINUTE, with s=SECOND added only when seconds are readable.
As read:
h=2 m=51
